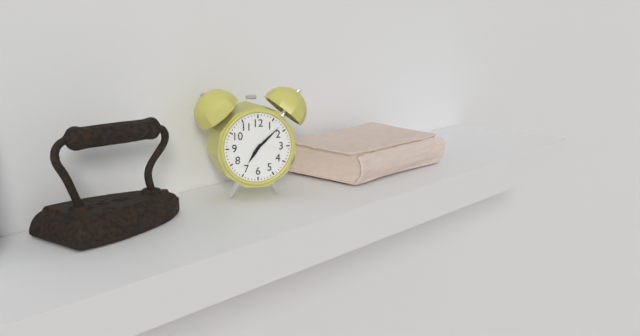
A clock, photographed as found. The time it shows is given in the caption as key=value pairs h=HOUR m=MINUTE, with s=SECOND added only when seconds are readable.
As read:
h=7 m=8
